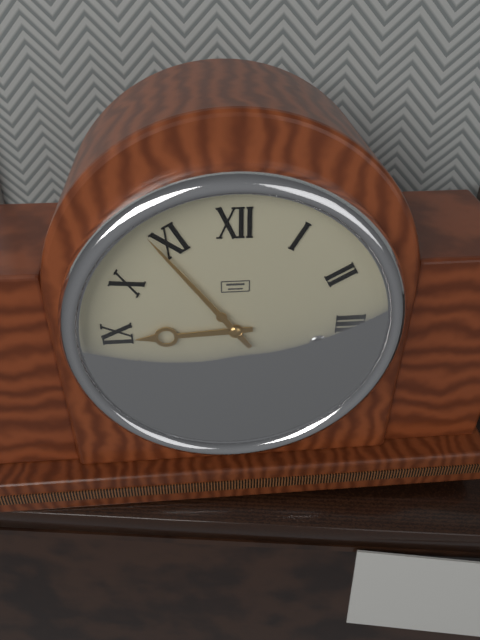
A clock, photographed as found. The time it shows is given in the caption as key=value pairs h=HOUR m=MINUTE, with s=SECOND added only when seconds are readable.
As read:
h=8 m=54
